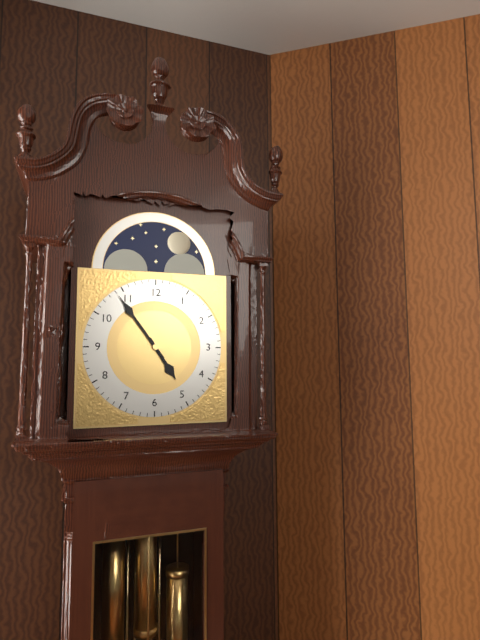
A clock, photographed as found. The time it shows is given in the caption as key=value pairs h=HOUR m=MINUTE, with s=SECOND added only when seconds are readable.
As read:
h=4 m=54
